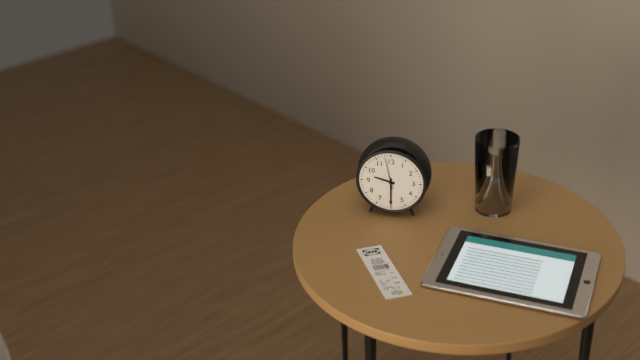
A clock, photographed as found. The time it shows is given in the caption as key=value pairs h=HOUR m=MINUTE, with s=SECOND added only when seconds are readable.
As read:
h=9 m=30
